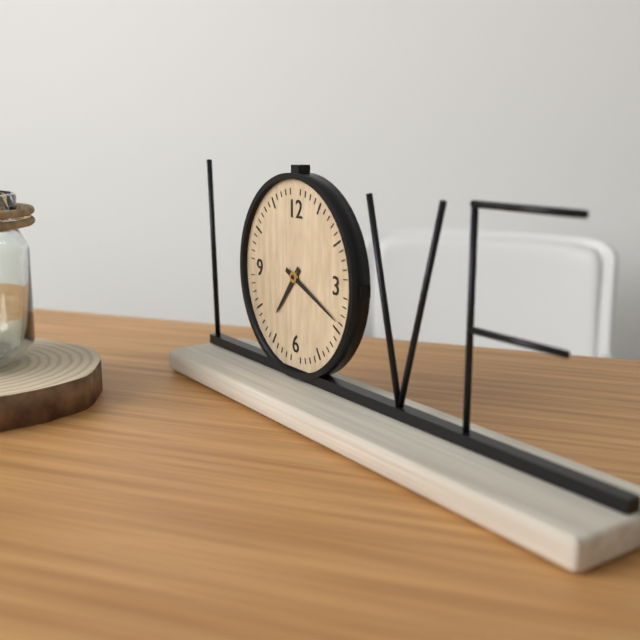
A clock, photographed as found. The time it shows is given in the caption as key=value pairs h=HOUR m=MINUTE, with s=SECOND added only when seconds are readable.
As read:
h=7 m=19
